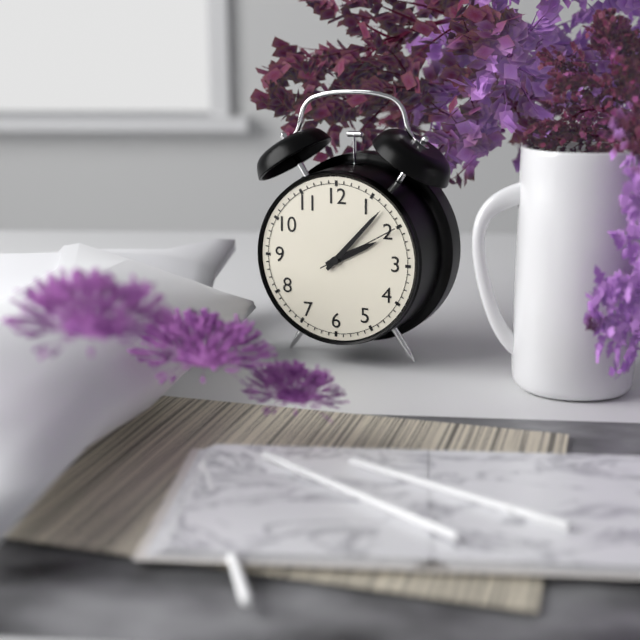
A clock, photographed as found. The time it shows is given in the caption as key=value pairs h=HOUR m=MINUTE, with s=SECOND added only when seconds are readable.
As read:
h=2 m=7 s=10
